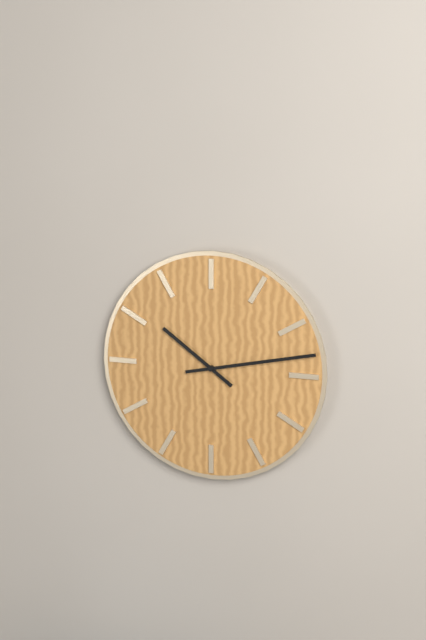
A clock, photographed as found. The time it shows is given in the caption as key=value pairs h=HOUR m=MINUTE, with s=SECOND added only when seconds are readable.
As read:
h=10 m=13
